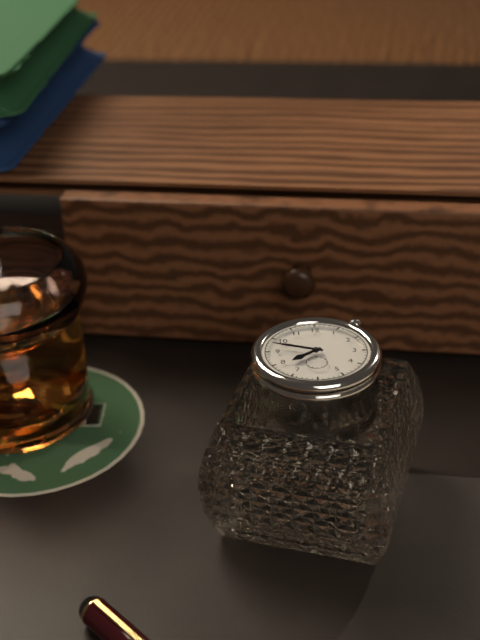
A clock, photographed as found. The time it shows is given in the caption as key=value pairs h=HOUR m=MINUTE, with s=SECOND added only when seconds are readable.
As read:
h=7 m=48
